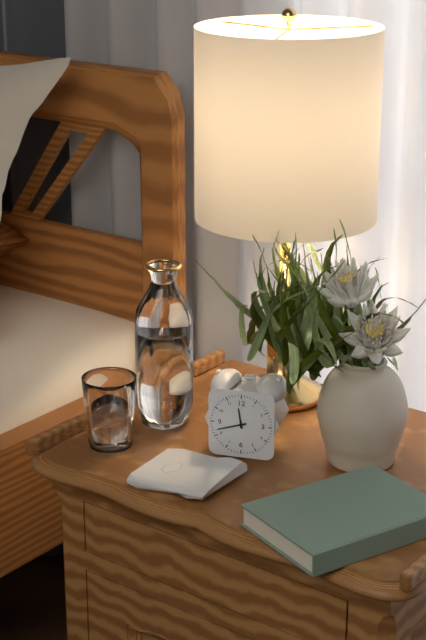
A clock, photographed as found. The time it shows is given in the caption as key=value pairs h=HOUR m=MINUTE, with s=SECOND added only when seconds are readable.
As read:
h=11 m=42
